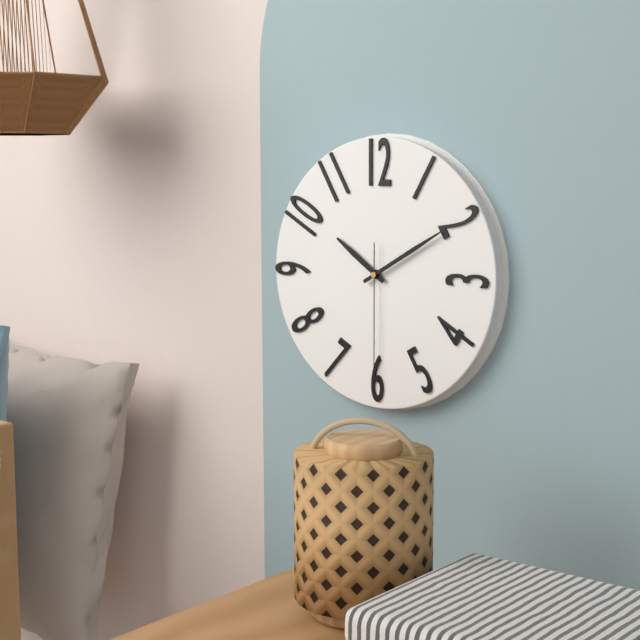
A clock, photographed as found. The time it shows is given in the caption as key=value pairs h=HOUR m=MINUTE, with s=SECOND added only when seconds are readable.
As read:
h=10 m=10 s=30
